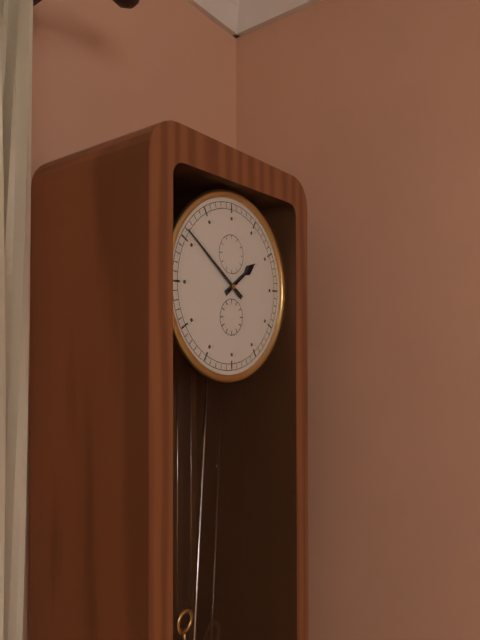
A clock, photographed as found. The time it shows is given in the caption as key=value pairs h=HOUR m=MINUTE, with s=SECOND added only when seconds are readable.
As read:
h=1 m=51
